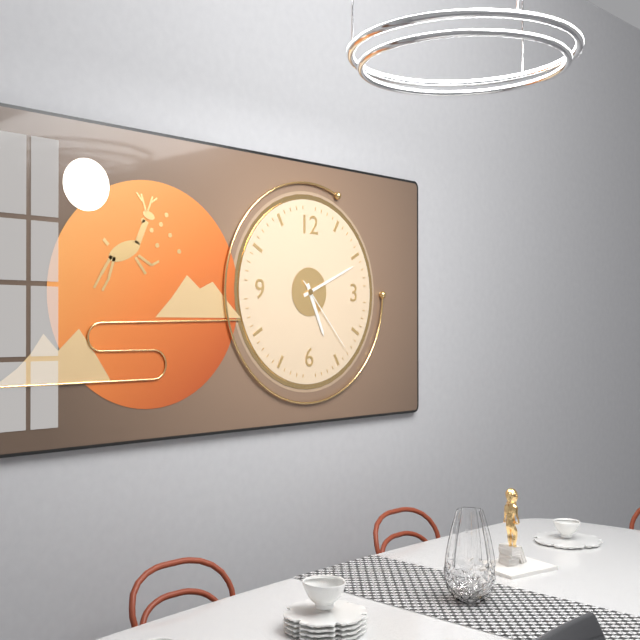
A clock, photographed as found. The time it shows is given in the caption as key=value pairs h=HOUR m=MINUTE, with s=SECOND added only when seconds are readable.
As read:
h=5 m=11 s=23
